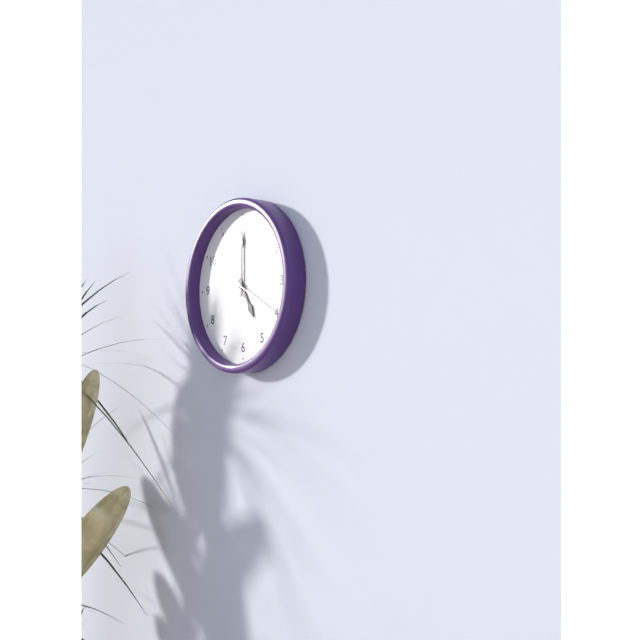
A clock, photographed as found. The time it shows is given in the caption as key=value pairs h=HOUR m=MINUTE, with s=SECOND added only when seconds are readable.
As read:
h=5 m=0 s=20
